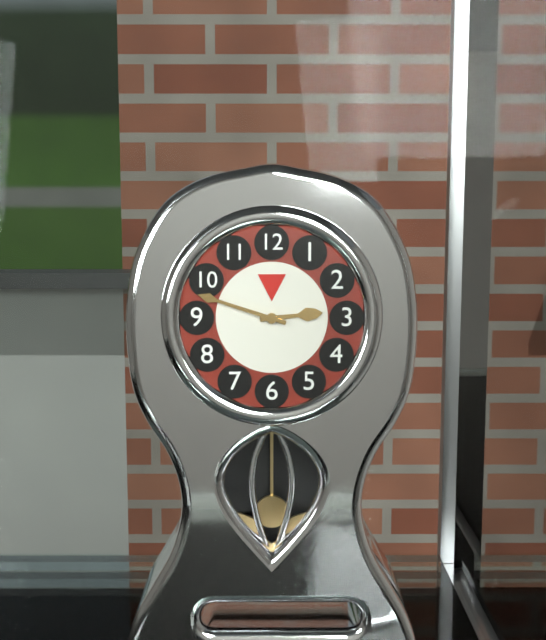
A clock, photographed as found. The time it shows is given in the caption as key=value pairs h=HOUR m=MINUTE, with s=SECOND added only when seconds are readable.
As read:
h=2 m=48
